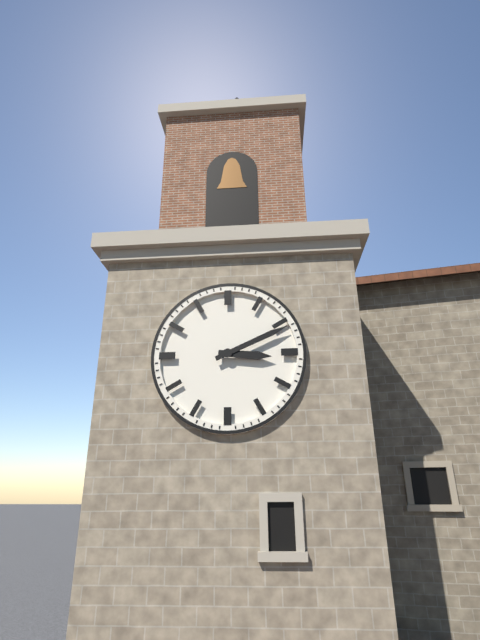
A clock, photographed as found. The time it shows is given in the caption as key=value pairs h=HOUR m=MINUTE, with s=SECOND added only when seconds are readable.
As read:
h=3 m=11
